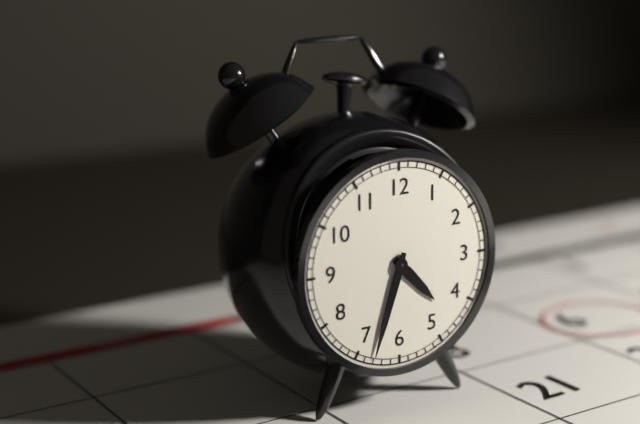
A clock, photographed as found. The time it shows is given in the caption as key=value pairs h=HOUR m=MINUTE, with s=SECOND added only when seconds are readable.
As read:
h=4 m=33
